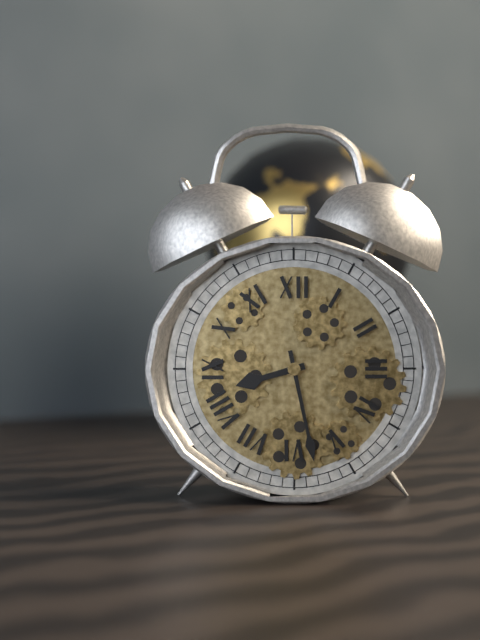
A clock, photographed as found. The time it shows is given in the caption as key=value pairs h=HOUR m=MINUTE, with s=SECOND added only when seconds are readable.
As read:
h=8 m=28
